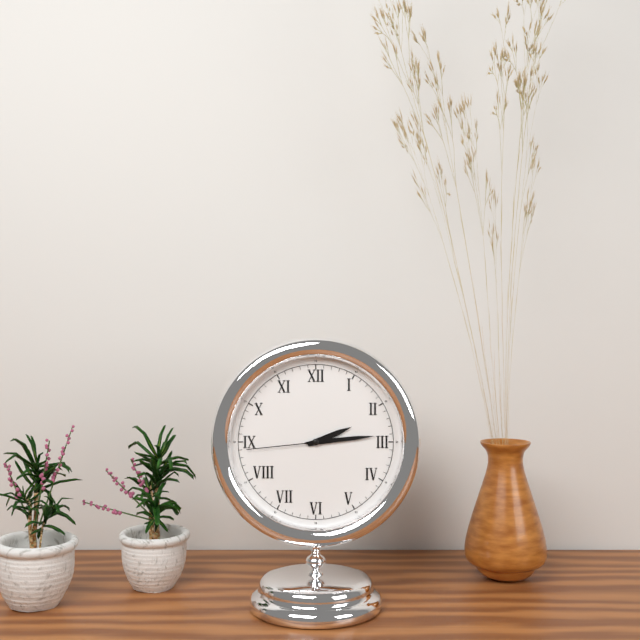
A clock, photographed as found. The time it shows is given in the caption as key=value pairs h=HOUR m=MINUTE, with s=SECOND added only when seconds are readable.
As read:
h=2 m=14 s=44
